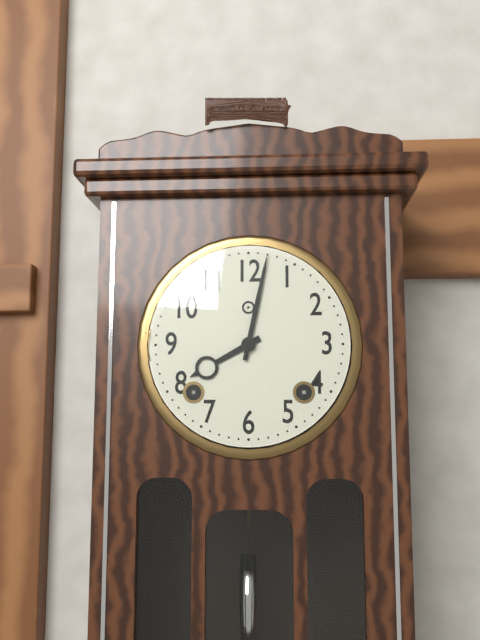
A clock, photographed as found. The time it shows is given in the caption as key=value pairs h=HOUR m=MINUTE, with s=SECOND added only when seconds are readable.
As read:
h=8 m=2
